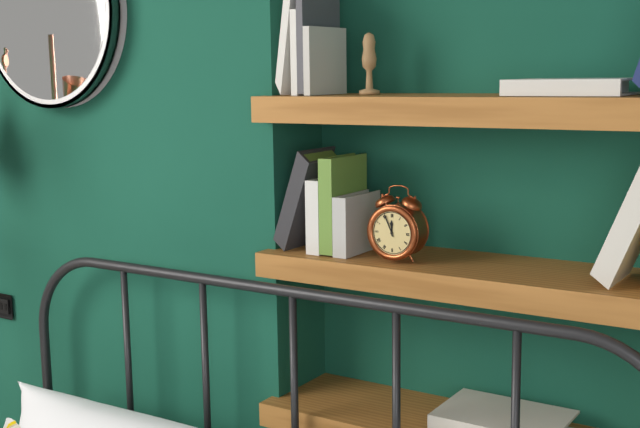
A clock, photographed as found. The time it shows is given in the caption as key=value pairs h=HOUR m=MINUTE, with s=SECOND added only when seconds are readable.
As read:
h=11 m=56
